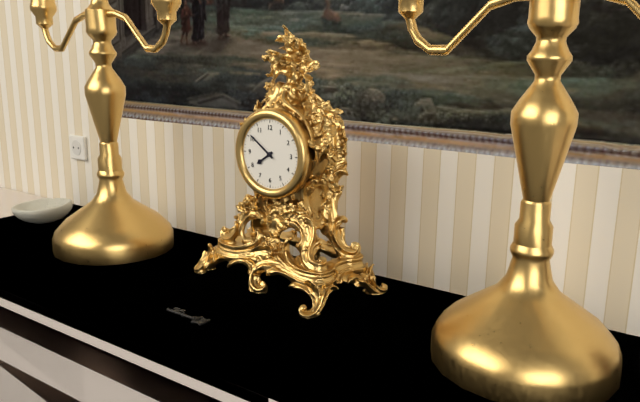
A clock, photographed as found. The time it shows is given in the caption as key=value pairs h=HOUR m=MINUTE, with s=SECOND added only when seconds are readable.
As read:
h=7 m=51
